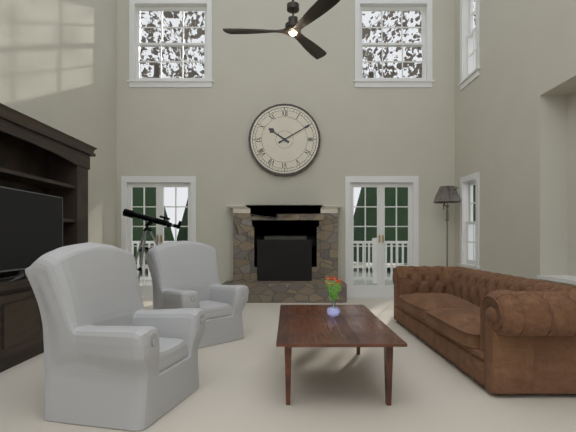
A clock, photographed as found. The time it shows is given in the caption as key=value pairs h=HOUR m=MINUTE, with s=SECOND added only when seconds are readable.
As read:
h=10 m=10
